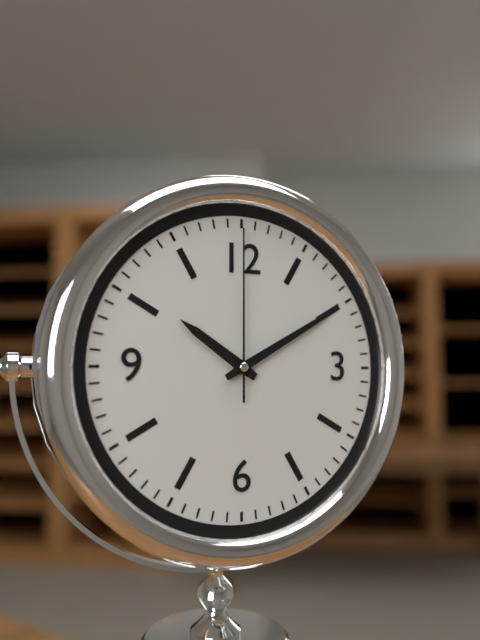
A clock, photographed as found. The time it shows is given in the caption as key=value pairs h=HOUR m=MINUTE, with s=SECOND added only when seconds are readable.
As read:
h=10 m=10 s=0
